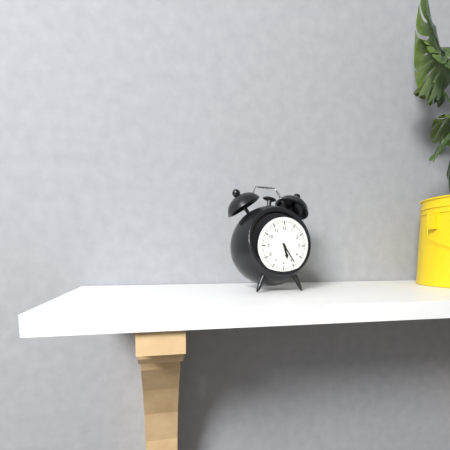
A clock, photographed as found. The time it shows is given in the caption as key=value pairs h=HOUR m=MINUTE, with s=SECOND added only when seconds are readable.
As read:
h=5 m=24
